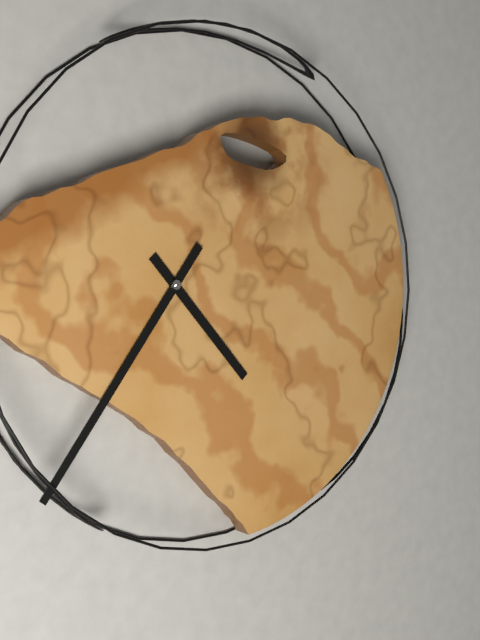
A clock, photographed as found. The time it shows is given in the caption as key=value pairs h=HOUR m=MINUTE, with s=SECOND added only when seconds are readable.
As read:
h=4 m=36
